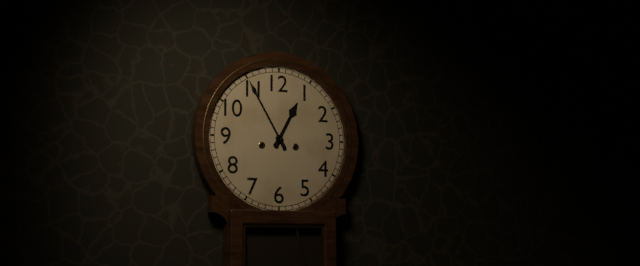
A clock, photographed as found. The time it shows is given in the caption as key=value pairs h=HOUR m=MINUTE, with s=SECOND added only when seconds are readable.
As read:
h=12 m=55
